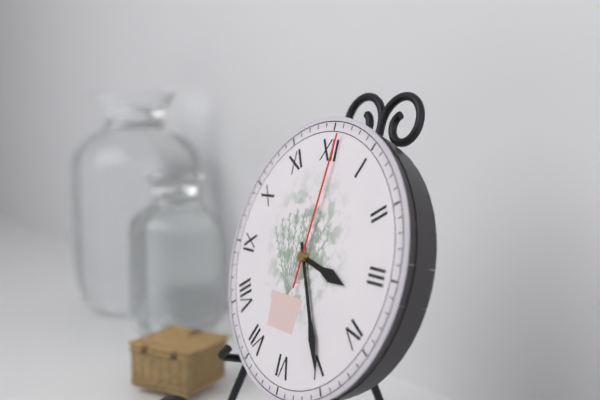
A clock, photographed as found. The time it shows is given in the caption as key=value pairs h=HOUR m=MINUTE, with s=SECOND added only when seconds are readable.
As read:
h=3 m=25 s=1
